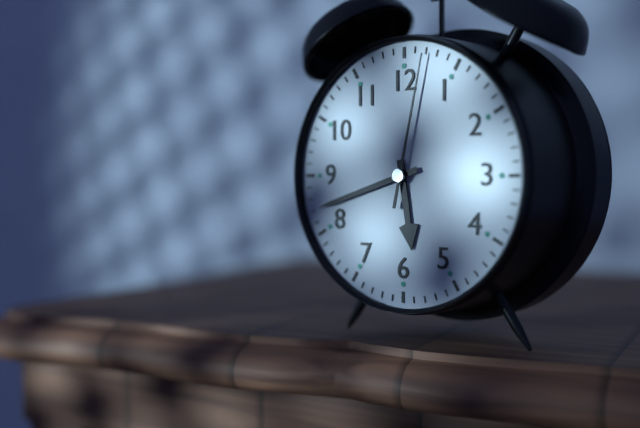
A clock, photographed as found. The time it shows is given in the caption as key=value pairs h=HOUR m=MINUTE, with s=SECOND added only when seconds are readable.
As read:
h=5 m=42 s=2
